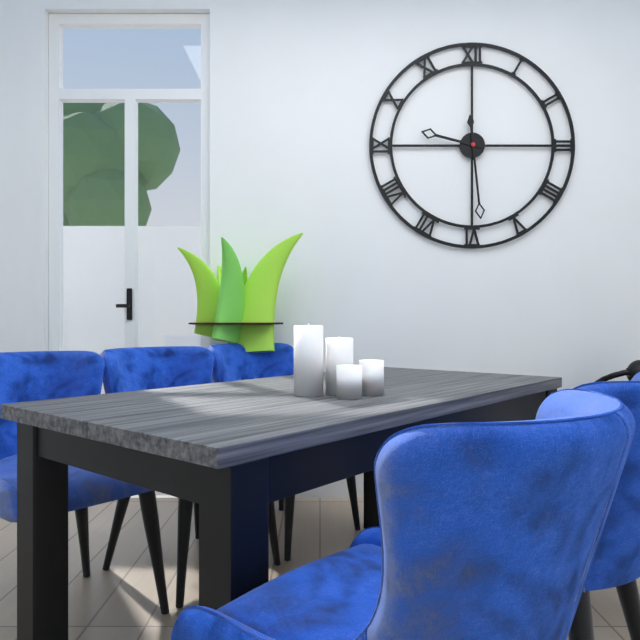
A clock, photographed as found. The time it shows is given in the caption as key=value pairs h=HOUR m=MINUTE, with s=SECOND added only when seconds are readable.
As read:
h=9 m=29
